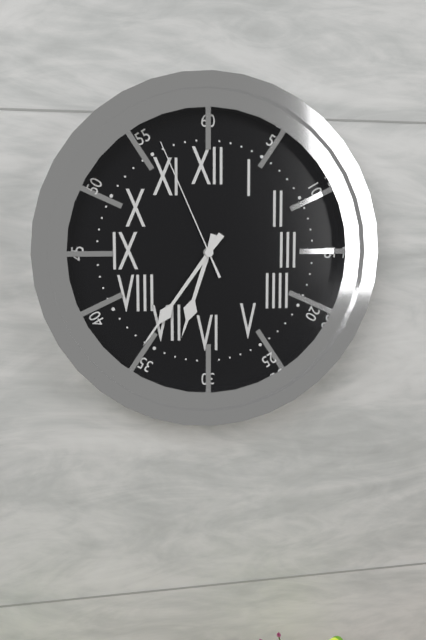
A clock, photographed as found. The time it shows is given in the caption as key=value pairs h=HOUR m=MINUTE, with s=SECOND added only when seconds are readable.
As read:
h=6 m=36 s=56
